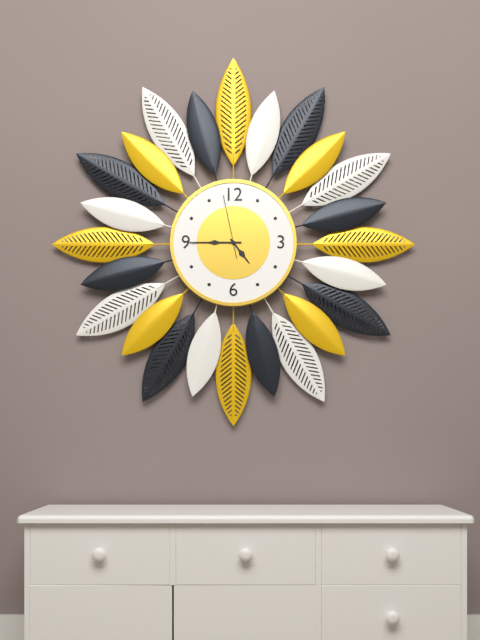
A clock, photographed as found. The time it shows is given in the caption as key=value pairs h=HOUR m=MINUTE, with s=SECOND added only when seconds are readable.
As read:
h=4 m=45 s=58
